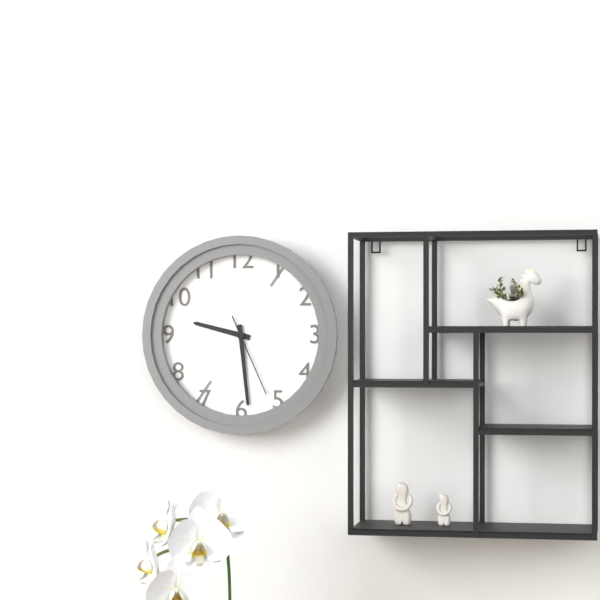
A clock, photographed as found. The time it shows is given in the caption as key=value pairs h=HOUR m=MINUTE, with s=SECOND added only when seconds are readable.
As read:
h=9 m=29 s=26
